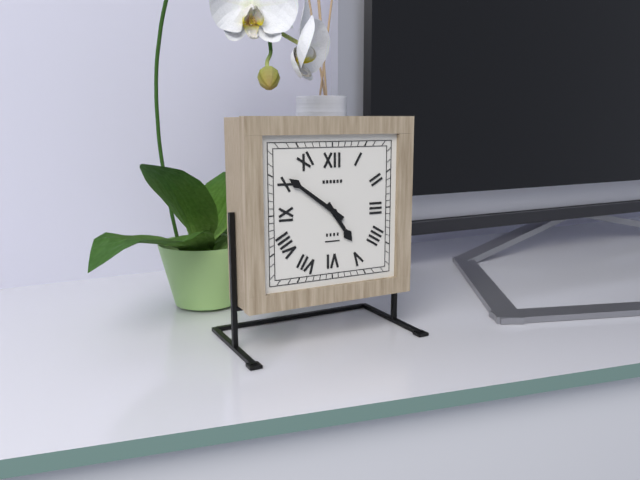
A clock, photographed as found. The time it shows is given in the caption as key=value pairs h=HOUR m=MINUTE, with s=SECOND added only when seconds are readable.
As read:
h=4 m=51
